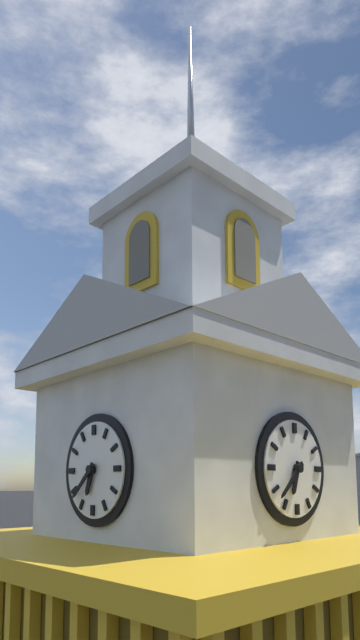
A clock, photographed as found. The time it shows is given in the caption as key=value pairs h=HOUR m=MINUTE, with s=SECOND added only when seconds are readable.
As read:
h=6 m=38
